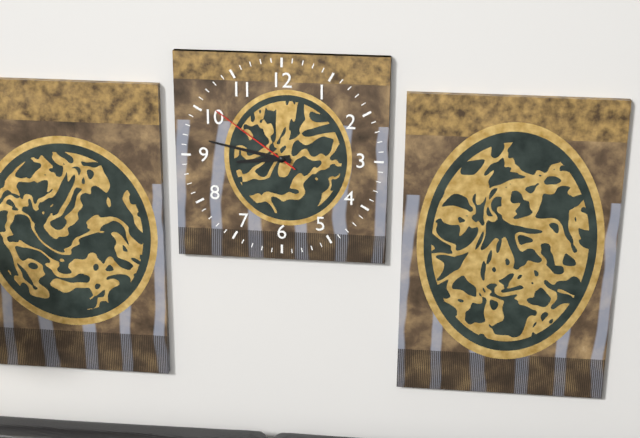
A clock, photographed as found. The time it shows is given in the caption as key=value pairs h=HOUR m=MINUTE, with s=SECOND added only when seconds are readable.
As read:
h=8 m=47 s=51
